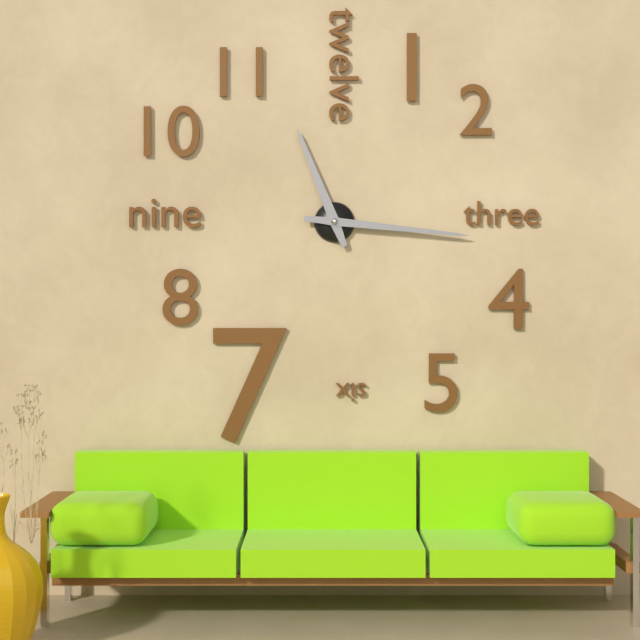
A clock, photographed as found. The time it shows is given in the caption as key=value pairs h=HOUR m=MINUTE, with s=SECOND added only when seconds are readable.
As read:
h=11 m=16
